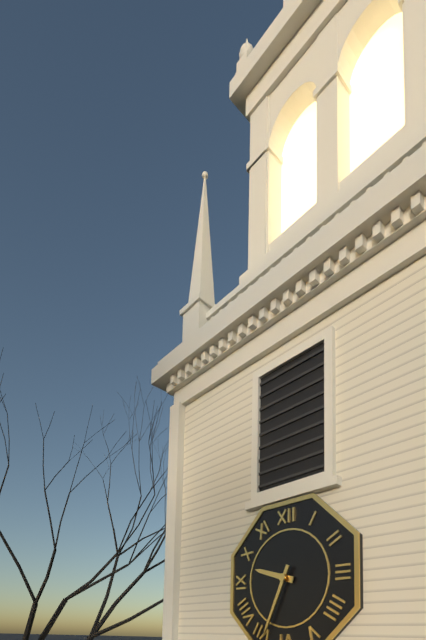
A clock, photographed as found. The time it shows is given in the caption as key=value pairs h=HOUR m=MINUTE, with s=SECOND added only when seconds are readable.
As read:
h=9 m=34
